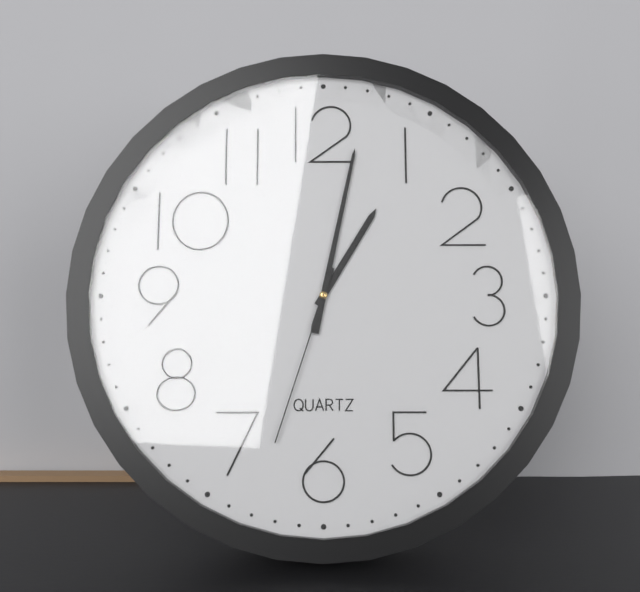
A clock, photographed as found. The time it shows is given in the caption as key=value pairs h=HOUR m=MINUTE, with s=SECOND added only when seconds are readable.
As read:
h=1 m=2 s=33
